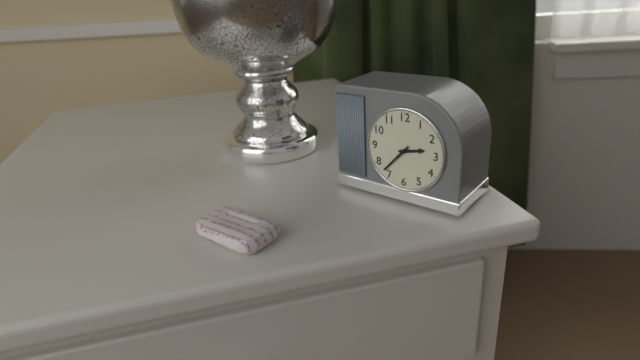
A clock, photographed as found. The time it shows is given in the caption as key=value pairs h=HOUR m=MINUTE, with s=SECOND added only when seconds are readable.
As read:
h=2 m=37
